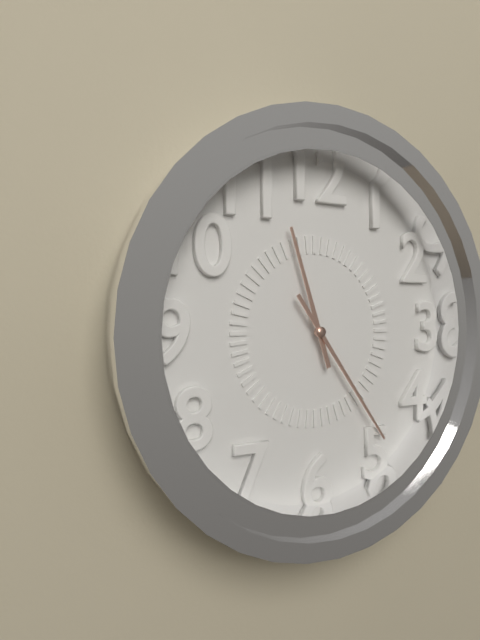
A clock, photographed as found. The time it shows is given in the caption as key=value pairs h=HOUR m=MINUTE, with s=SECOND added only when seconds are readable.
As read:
h=11 m=24
